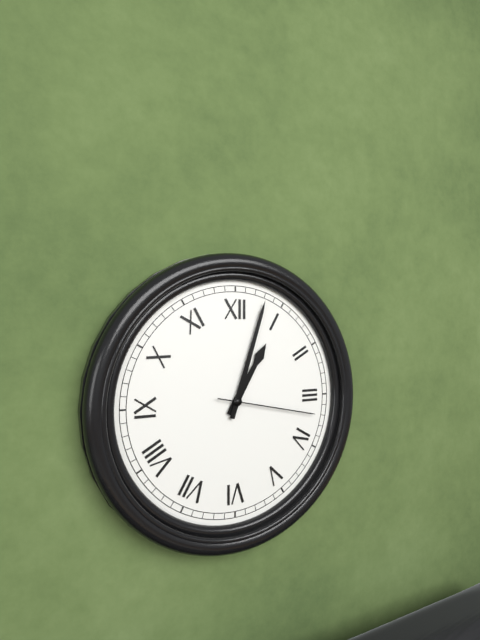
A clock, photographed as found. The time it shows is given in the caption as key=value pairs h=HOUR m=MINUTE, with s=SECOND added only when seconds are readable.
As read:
h=1 m=3 s=17
